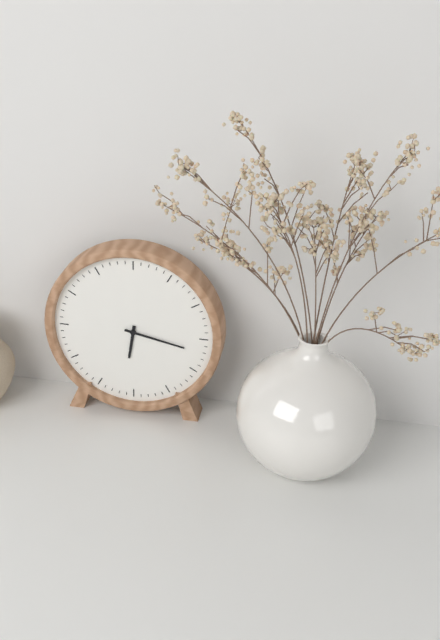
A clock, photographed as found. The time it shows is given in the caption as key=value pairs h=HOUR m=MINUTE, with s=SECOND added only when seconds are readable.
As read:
h=6 m=17
